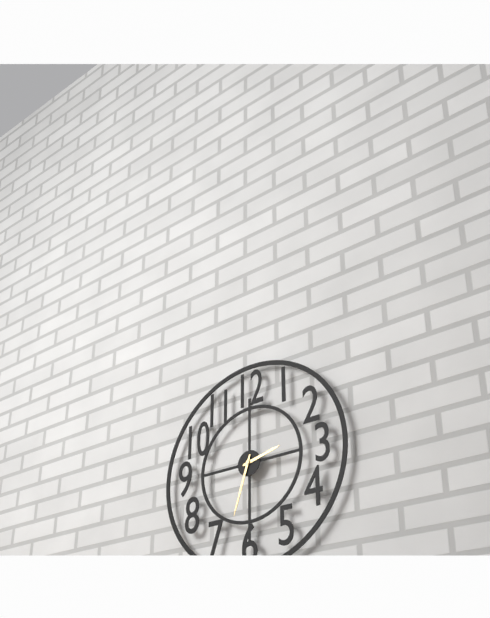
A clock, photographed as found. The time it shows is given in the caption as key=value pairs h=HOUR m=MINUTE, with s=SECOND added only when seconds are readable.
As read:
h=2 m=33
